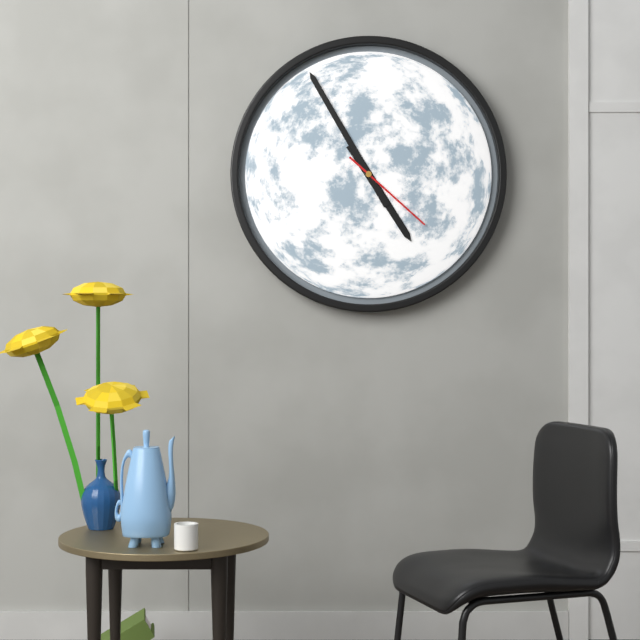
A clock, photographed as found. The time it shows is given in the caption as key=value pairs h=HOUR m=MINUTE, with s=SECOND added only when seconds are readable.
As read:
h=4 m=55 s=22
